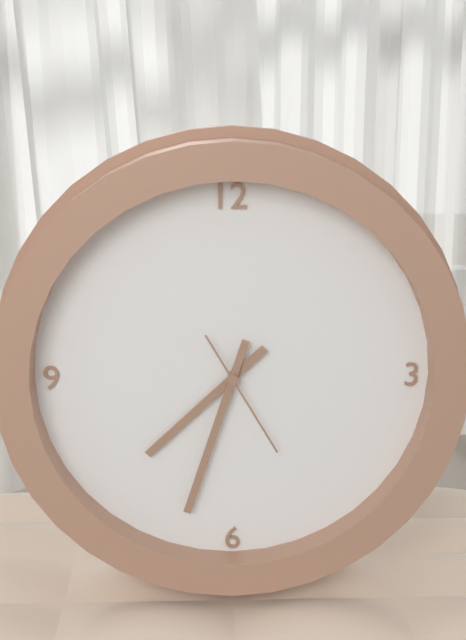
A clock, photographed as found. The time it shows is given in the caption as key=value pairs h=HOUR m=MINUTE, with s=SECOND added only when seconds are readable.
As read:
h=7 m=33 s=25
